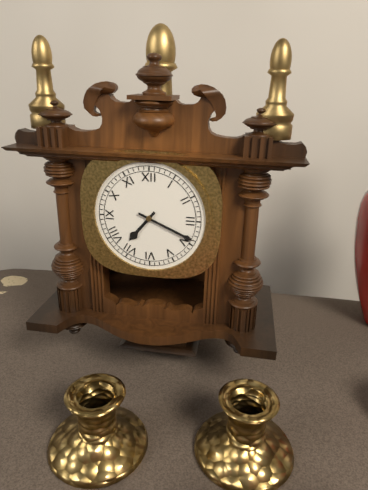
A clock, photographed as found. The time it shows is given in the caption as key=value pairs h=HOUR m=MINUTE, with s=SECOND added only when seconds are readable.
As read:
h=7 m=19
